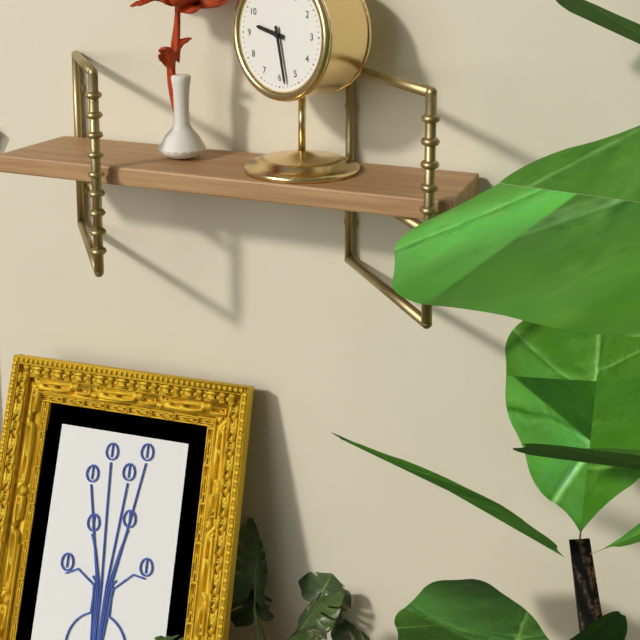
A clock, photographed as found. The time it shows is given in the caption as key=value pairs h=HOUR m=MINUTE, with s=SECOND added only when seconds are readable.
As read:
h=9 m=28
